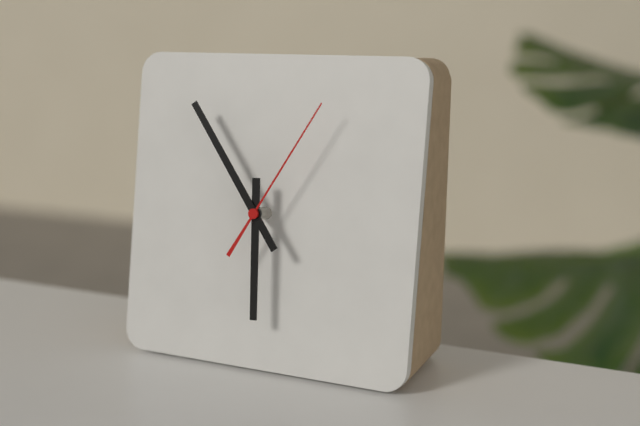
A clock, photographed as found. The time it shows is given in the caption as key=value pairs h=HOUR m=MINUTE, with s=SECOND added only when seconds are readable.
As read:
h=5 m=54 s=5
